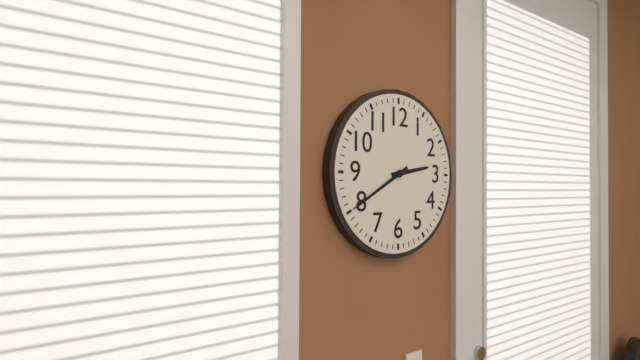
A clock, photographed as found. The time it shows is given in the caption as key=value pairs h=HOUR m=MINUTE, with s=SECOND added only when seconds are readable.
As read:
h=2 m=40
